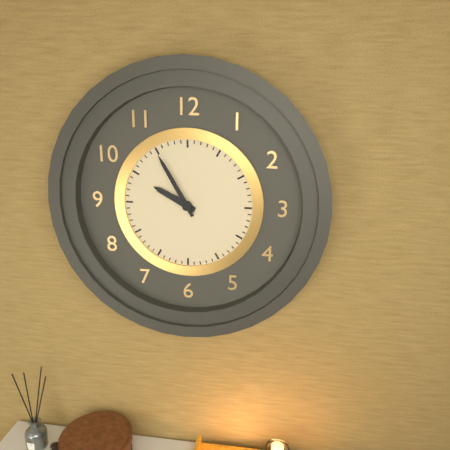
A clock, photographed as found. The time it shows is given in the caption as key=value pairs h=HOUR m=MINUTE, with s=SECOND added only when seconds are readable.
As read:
h=9 m=55
